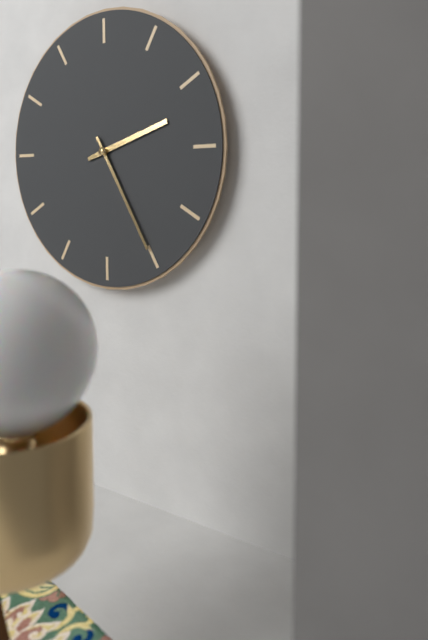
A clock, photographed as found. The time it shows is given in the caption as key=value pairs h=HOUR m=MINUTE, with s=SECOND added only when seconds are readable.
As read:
h=2 m=25
